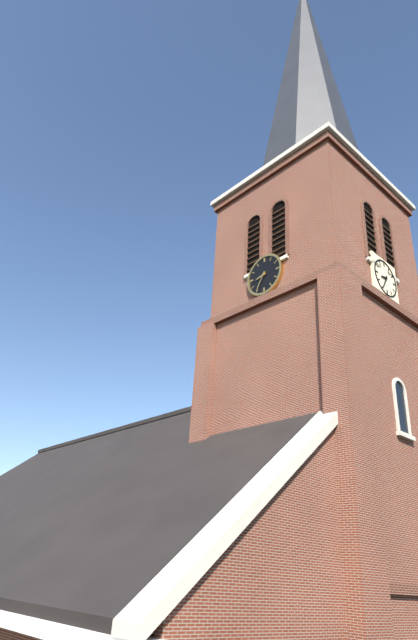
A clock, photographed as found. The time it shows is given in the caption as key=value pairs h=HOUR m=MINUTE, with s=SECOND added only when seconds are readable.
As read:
h=8 m=35
